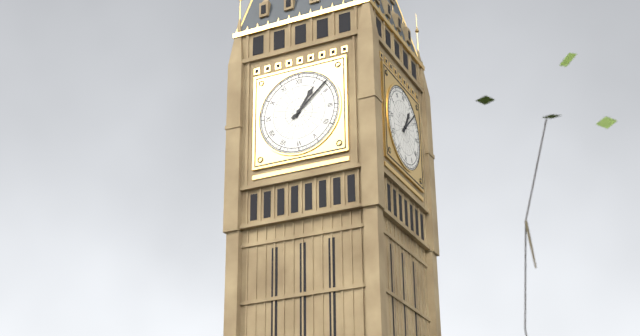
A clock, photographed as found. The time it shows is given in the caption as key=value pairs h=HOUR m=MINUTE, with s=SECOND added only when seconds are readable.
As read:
h=1 m=8
